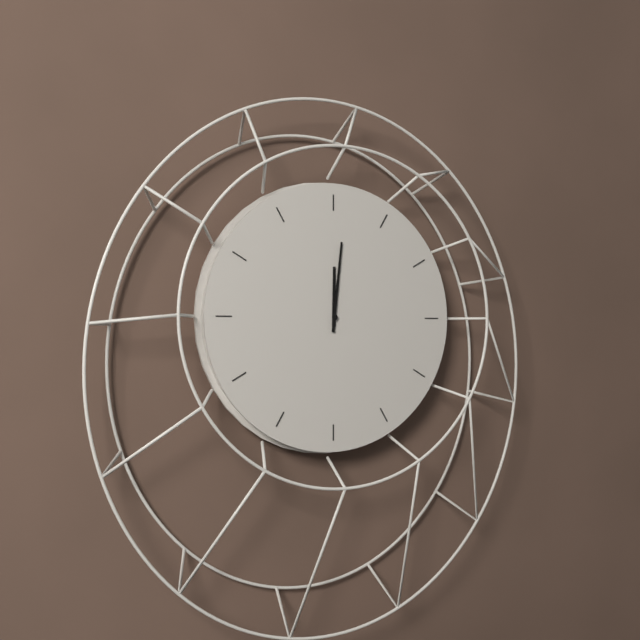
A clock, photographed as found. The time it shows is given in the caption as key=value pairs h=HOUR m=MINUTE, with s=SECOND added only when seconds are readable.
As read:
h=12 m=1
